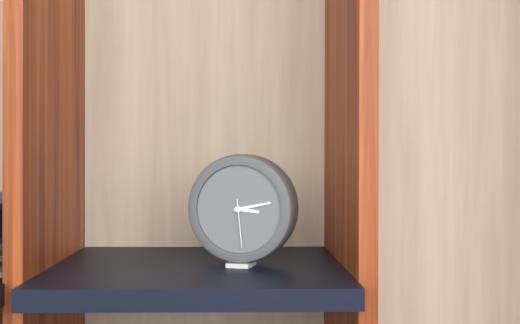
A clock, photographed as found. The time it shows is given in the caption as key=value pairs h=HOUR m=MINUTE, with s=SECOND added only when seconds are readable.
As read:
h=3 m=13
